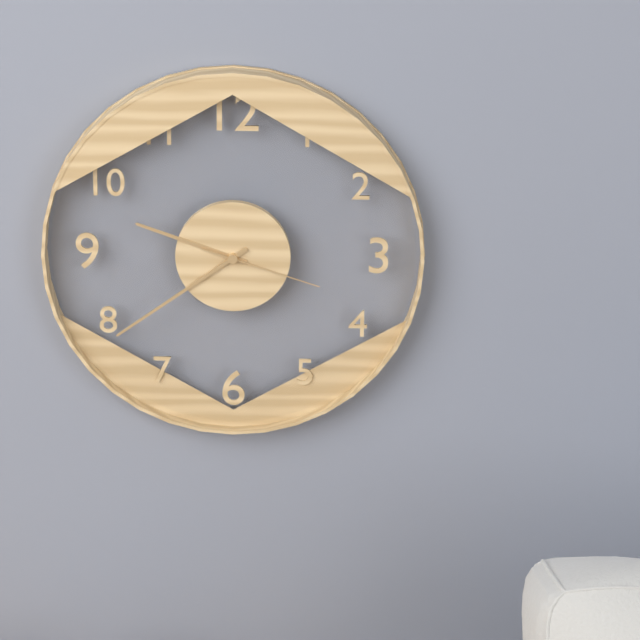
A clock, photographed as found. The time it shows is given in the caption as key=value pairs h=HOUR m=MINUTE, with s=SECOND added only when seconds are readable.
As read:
h=9 m=39 s=18
